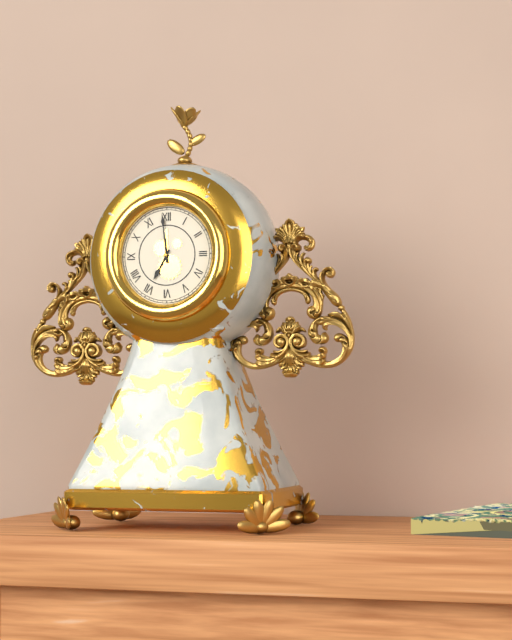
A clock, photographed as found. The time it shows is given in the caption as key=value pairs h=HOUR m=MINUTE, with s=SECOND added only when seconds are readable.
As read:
h=6 m=59
